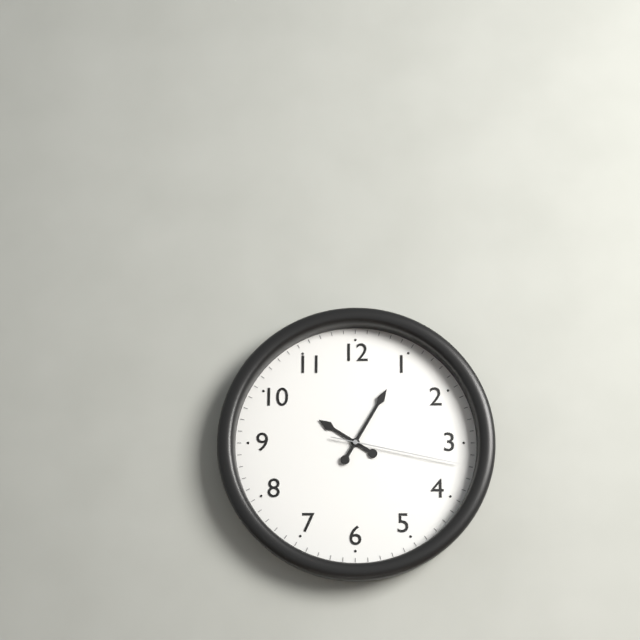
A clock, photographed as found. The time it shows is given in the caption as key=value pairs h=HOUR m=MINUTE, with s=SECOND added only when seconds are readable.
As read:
h=10 m=5 s=17
